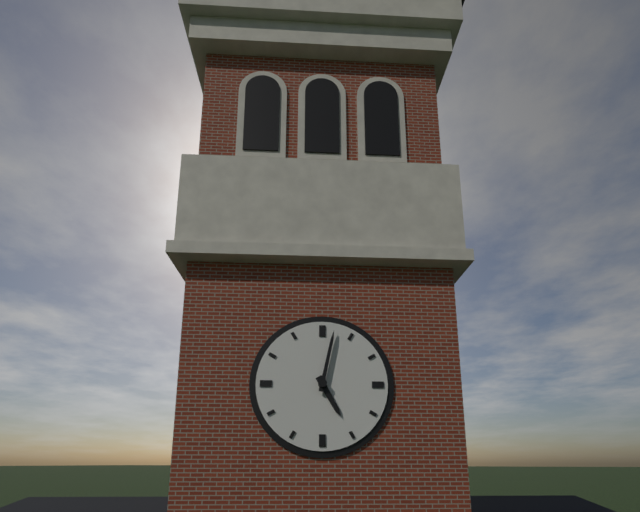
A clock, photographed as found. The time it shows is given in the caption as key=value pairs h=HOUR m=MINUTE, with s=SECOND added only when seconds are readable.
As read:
h=5 m=2
